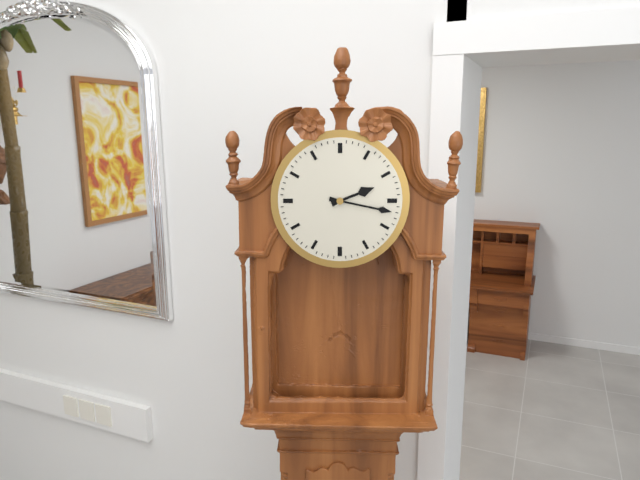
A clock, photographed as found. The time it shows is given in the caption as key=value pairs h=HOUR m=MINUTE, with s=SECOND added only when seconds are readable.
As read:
h=2 m=17
